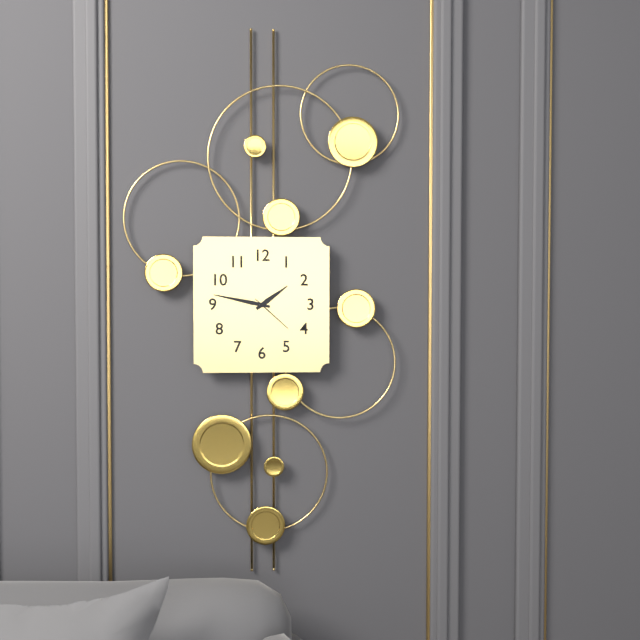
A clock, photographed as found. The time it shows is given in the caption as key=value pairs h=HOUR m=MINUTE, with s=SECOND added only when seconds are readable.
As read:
h=1 m=47
